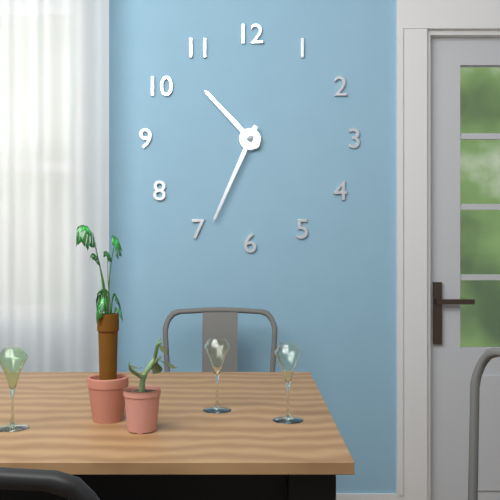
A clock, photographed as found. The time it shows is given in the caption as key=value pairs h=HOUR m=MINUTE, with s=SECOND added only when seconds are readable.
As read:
h=10 m=34
